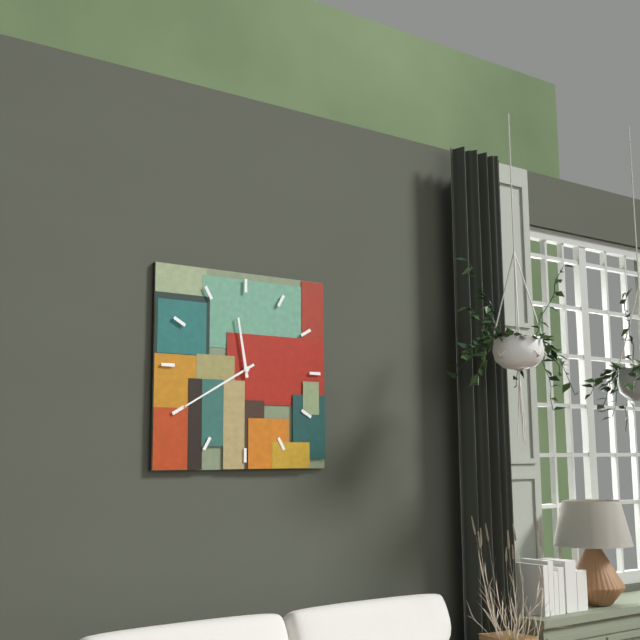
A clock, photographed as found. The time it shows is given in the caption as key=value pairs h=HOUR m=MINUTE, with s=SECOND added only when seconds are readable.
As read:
h=11 m=40
